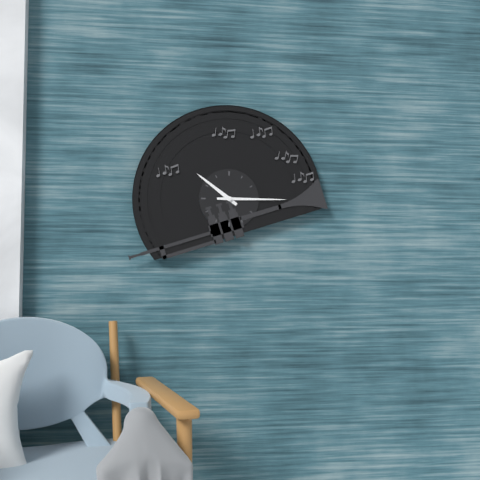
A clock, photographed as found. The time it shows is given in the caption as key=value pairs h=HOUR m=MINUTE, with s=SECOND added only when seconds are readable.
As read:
h=10 m=15
